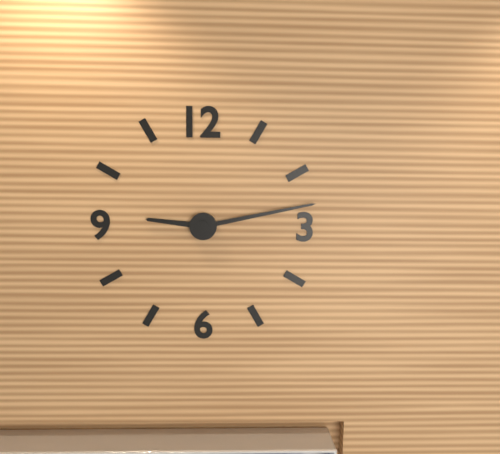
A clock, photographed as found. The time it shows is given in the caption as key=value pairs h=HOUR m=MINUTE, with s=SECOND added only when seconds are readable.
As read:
h=9 m=13
